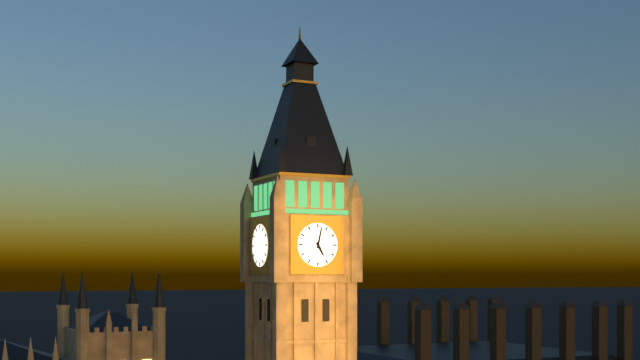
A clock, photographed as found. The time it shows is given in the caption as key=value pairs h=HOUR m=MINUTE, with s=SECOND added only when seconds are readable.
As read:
h=5 m=2
